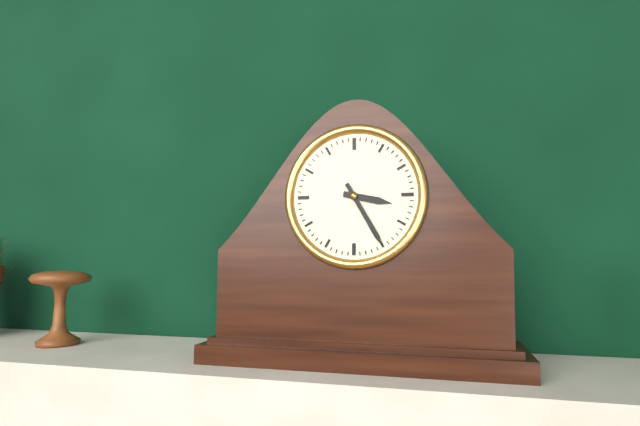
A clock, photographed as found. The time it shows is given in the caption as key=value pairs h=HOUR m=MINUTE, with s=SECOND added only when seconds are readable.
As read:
h=3 m=25
